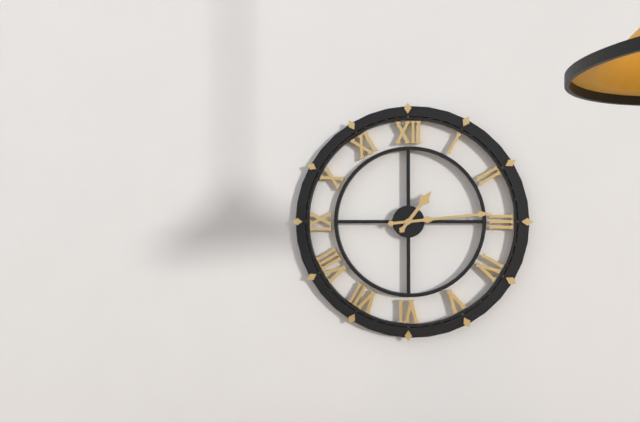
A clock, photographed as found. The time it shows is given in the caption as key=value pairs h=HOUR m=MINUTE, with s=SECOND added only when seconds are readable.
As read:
h=1 m=14
